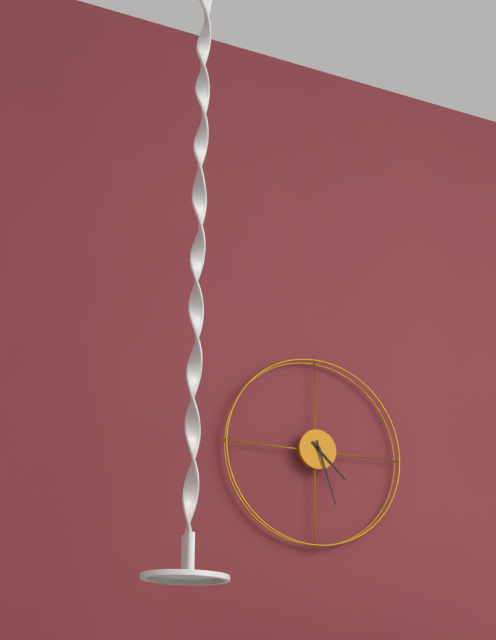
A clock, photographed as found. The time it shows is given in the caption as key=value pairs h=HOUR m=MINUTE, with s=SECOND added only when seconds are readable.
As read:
h=4 m=27
